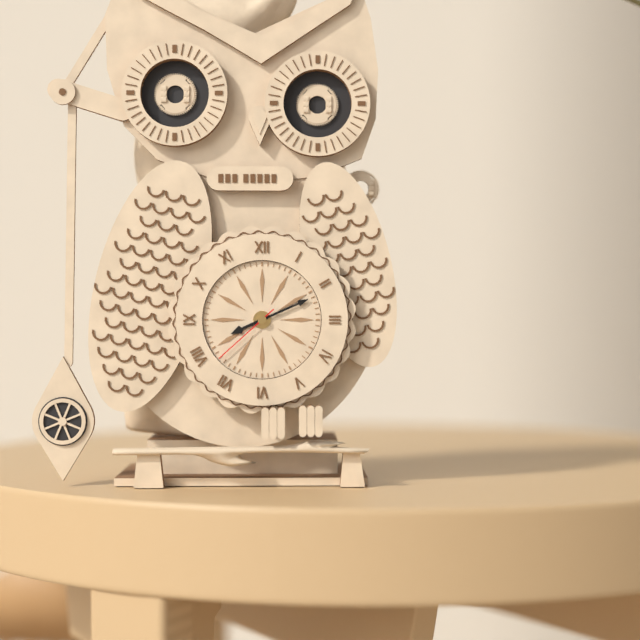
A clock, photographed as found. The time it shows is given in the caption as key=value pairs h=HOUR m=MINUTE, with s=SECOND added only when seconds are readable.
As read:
h=8 m=11 s=38
